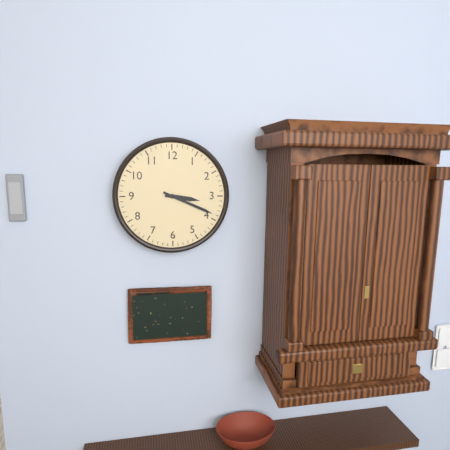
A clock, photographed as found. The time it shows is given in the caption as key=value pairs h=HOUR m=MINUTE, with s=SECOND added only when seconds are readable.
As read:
h=3 m=19
